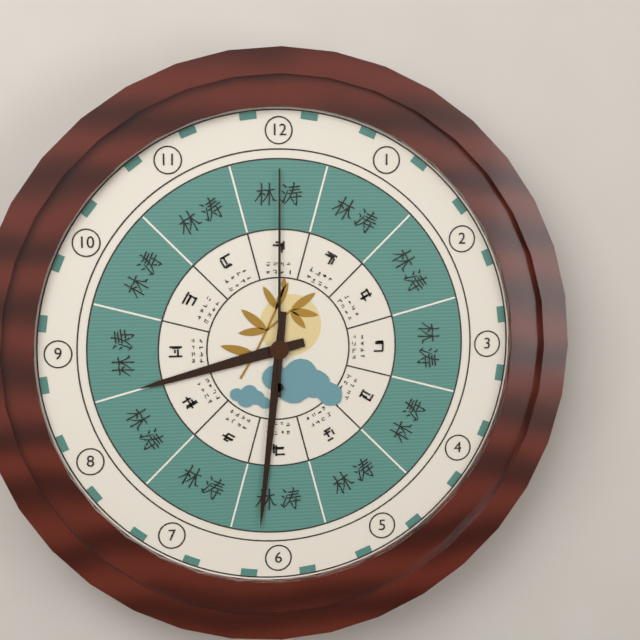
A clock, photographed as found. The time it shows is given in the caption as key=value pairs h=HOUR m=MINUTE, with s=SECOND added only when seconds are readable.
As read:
h=8 m=31 s=0
